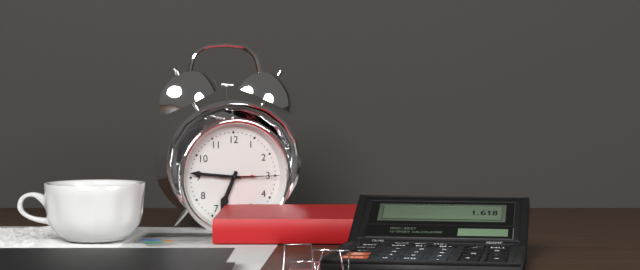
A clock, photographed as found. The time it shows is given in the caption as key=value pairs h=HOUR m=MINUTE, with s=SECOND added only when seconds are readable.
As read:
h=6 m=46 s=15
